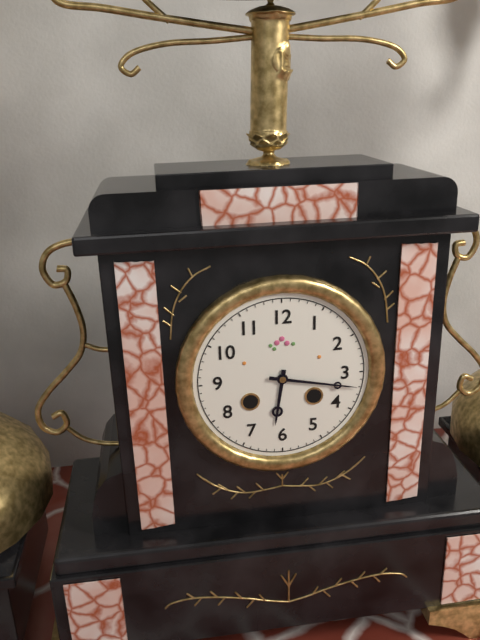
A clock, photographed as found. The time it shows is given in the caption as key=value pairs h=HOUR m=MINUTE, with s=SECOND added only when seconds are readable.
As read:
h=6 m=17
